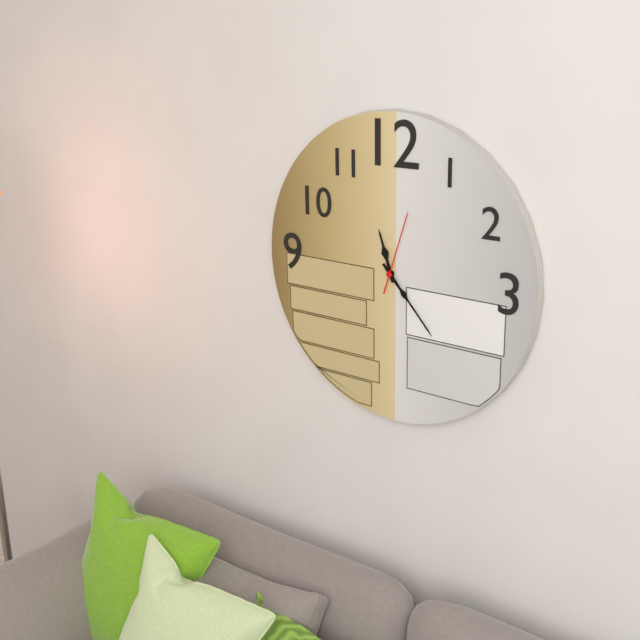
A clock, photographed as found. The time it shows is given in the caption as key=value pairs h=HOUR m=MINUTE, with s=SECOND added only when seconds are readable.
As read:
h=11 m=23 s=3
